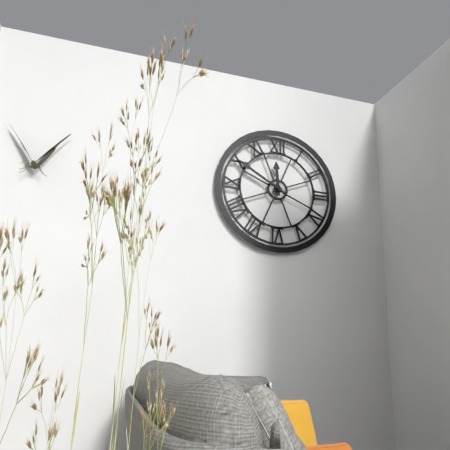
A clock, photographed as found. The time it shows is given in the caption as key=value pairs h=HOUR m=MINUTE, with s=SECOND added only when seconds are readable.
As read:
h=11 m=50
